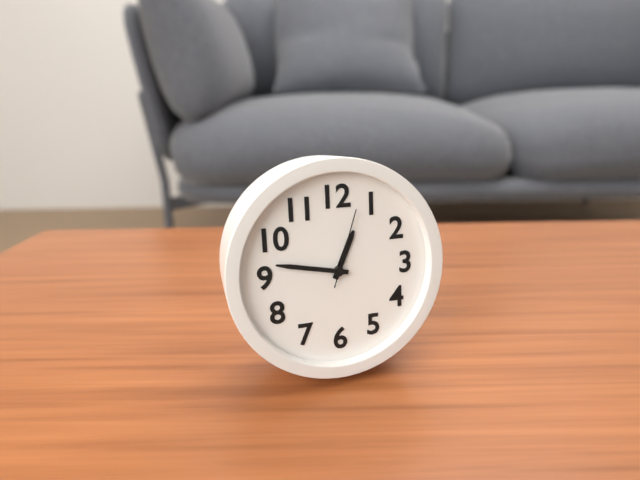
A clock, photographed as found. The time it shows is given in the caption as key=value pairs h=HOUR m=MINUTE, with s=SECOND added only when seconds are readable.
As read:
h=12 m=47 s=3
